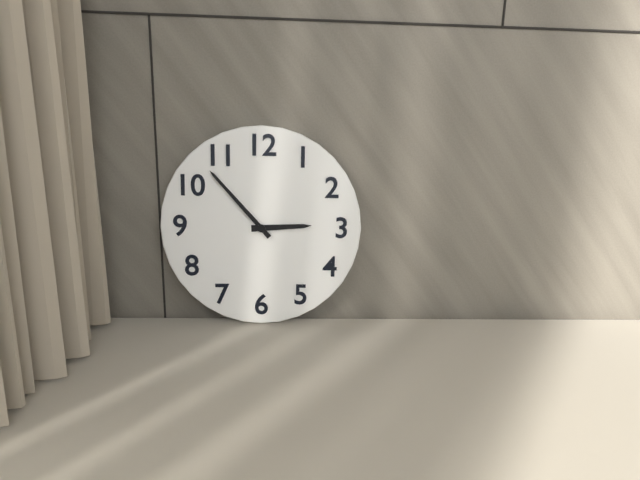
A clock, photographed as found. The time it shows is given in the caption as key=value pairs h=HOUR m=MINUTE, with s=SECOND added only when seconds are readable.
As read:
h=2 m=53
